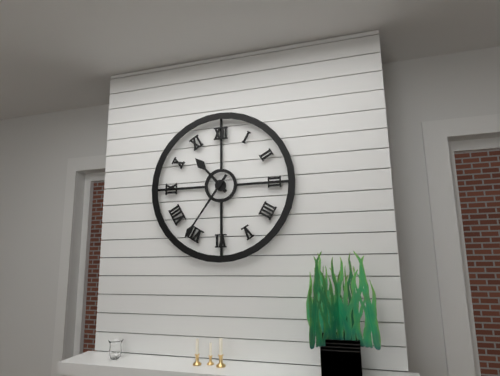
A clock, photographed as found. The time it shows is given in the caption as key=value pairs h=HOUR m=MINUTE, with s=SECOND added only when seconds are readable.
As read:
h=10 m=36
